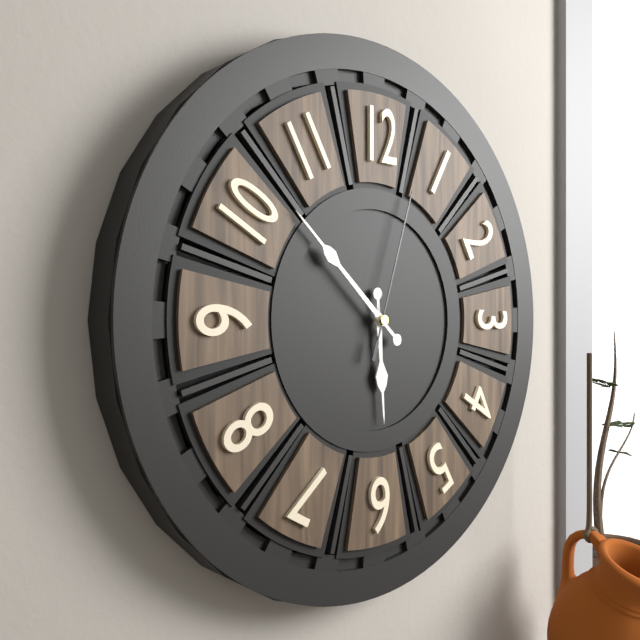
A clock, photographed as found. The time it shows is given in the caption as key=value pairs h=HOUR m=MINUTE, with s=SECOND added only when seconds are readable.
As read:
h=5 m=52 s=3
